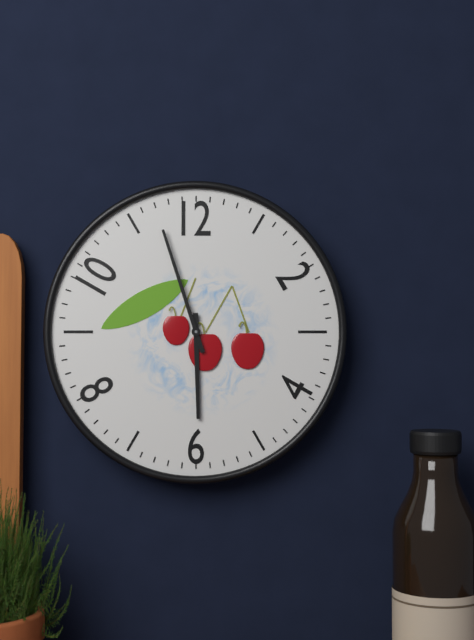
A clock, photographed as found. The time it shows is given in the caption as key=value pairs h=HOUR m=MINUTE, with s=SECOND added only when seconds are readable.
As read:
h=5 m=57
